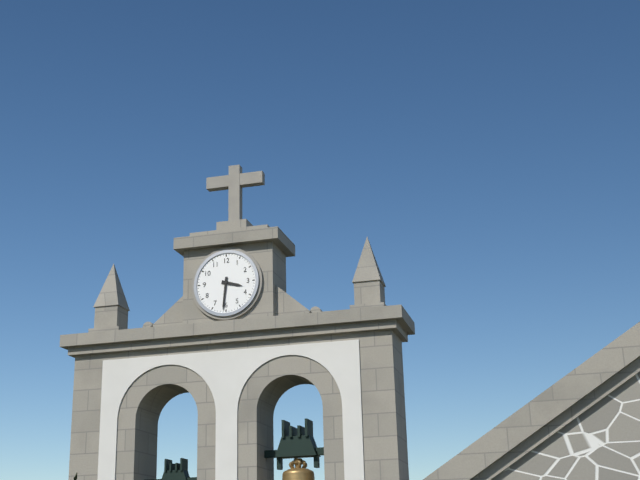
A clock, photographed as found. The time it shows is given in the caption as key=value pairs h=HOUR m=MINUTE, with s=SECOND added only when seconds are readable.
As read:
h=3 m=31
